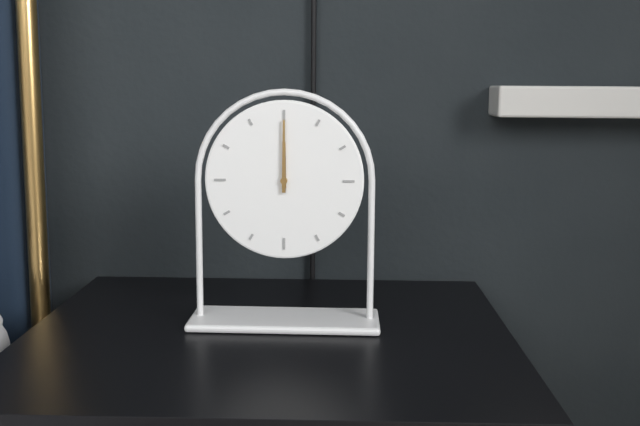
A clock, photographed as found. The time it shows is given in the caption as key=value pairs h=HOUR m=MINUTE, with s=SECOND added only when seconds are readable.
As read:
h=12 m=0
